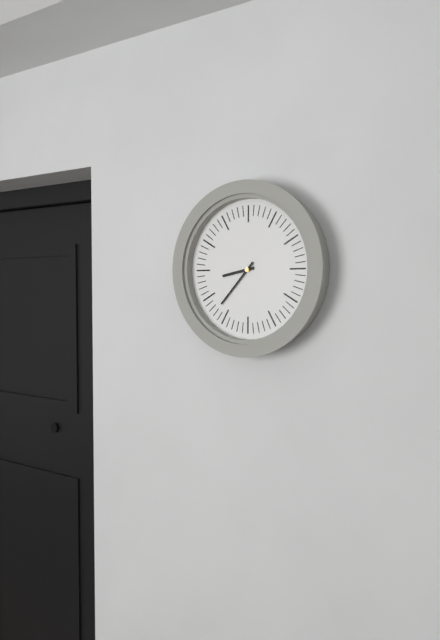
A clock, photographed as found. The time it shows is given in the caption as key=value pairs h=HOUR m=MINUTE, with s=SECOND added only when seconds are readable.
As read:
h=8 m=37
